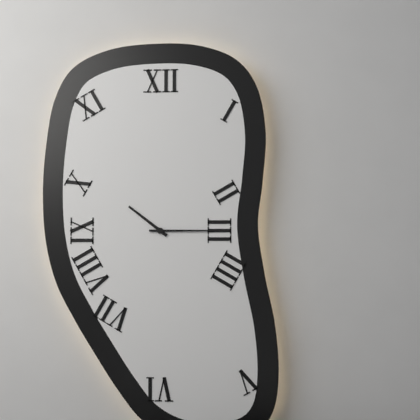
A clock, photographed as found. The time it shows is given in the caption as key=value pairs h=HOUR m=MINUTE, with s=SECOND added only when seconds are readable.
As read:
h=10 m=15
